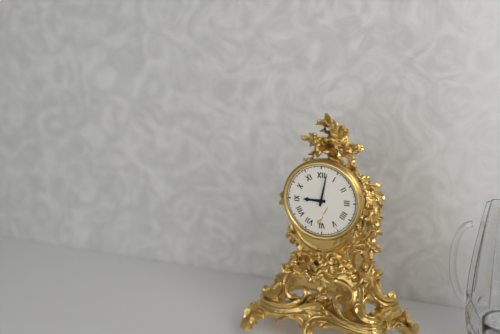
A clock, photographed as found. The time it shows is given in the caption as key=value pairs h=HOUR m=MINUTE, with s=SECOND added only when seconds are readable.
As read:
h=9 m=2
